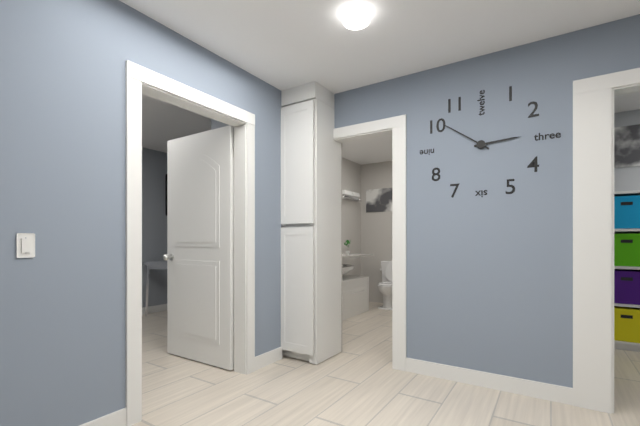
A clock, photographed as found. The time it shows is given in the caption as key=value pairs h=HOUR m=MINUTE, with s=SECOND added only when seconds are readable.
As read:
h=2 m=51
